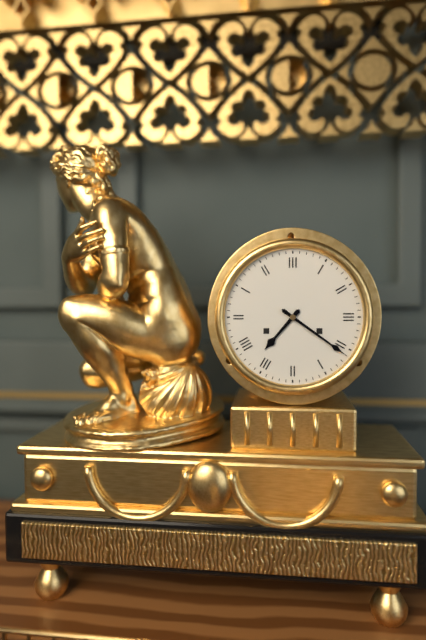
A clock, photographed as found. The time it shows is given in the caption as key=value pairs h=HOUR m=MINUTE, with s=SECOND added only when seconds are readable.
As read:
h=7 m=21
